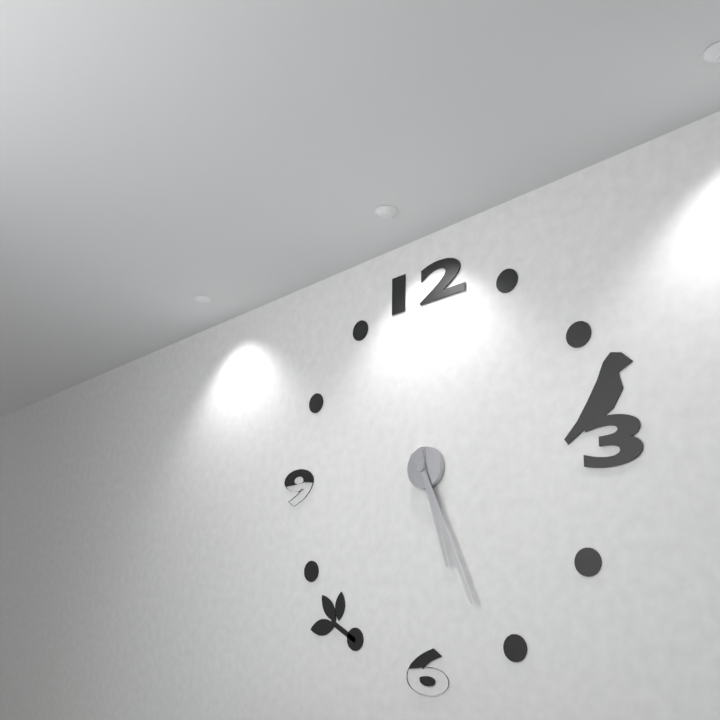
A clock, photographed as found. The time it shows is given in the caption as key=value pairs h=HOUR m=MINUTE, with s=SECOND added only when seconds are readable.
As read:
h=5 m=26
